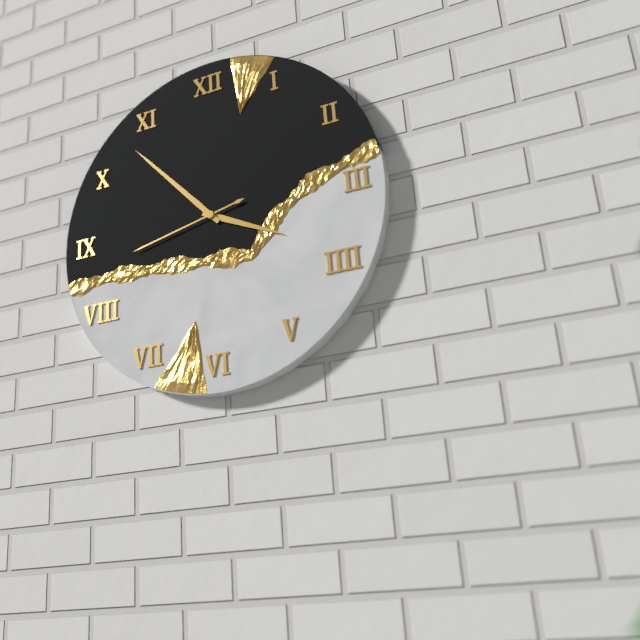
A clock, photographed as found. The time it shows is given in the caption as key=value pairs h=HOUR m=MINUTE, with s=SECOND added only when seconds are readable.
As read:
h=3 m=53 s=43
